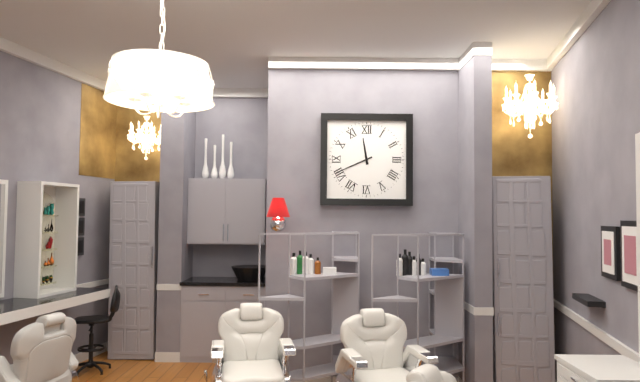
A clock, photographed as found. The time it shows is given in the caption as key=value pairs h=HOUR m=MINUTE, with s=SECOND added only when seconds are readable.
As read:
h=11 m=41
